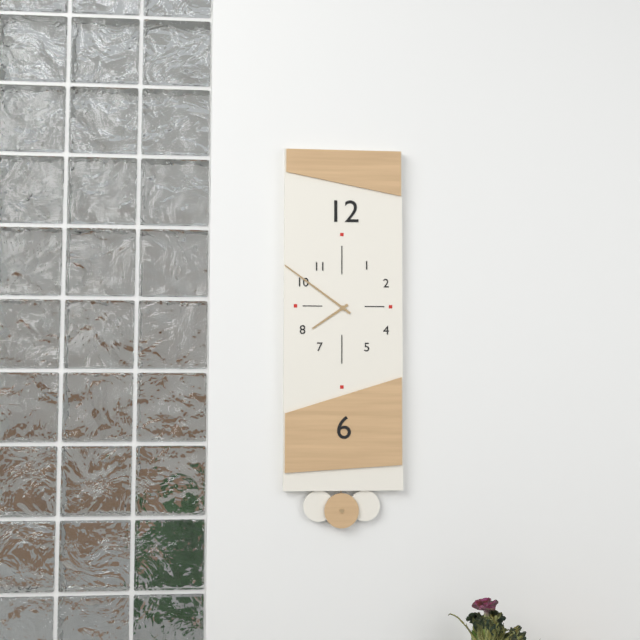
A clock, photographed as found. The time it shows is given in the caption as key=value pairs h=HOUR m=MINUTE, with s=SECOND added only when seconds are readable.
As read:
h=7 m=51
